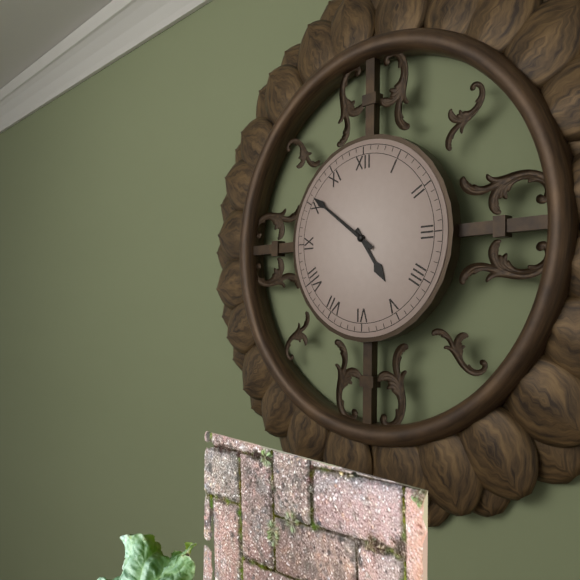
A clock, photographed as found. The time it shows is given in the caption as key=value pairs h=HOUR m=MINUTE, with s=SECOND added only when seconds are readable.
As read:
h=4 m=51
